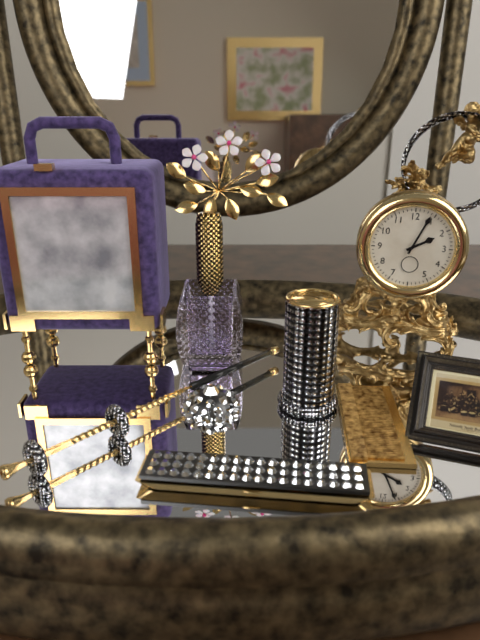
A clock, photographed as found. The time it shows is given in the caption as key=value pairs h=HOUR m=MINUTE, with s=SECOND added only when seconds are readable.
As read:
h=2 m=4
